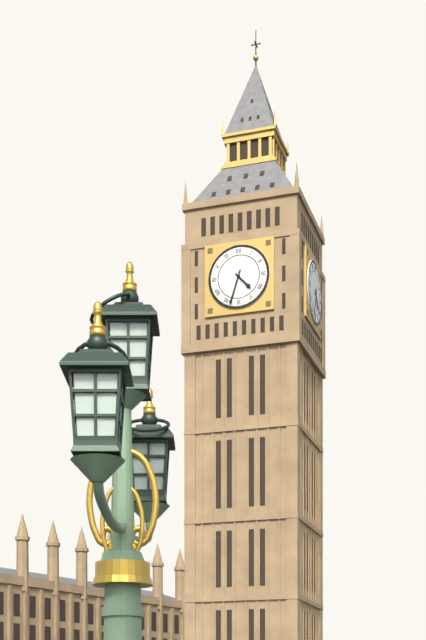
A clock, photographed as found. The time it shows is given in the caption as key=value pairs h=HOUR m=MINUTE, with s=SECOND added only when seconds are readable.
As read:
h=4 m=33
